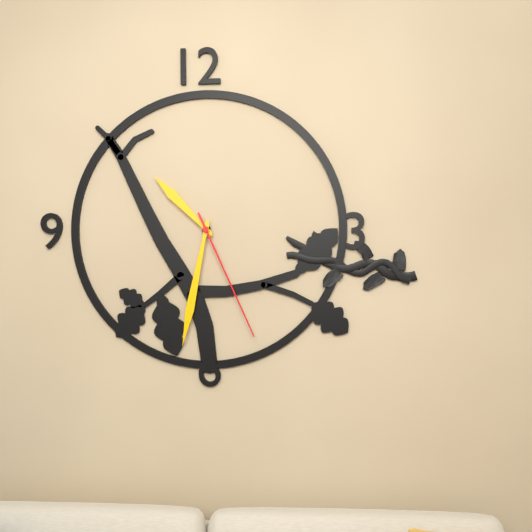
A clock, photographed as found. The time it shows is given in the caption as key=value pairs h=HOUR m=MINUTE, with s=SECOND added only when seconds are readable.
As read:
h=10 m=32 s=26
